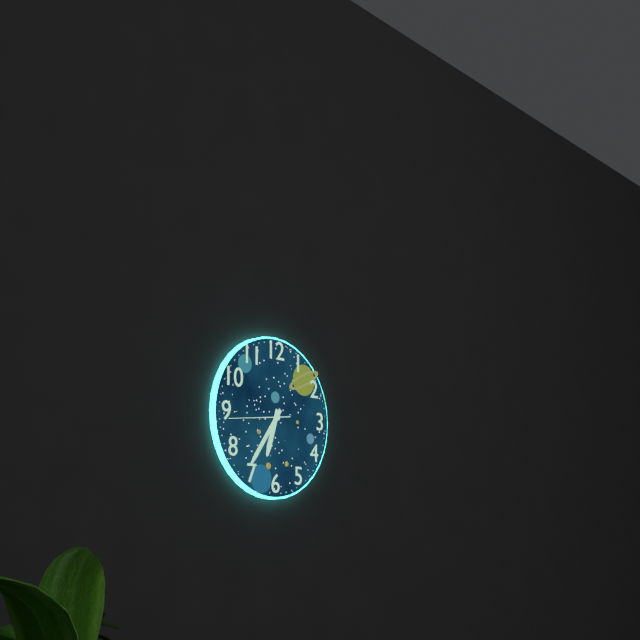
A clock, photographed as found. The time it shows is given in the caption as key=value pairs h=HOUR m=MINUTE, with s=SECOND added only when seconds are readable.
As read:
h=6 m=36 s=44
